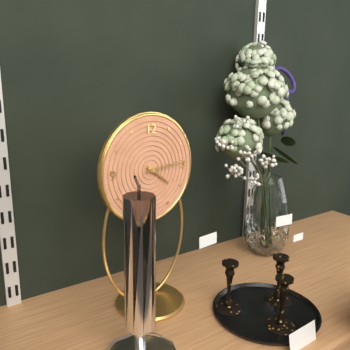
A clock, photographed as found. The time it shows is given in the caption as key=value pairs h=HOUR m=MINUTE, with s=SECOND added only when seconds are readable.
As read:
h=4 m=14
